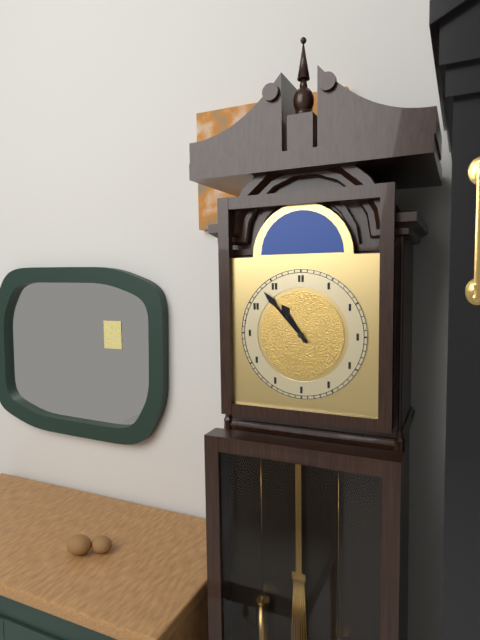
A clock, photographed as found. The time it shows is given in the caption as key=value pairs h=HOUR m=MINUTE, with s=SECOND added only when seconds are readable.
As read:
h=10 m=53
